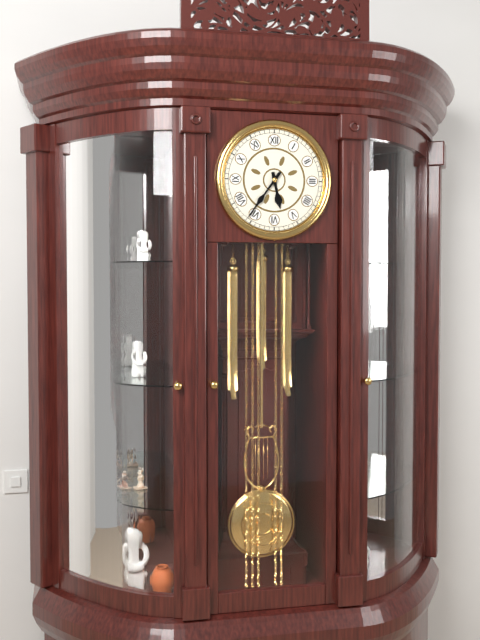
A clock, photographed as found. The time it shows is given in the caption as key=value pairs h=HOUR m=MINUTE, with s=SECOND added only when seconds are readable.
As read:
h=5 m=36
